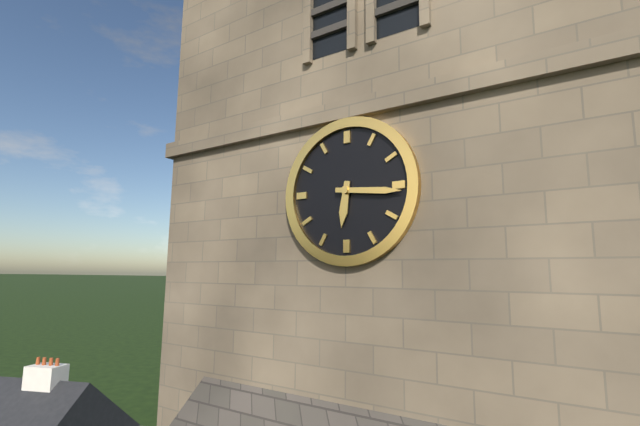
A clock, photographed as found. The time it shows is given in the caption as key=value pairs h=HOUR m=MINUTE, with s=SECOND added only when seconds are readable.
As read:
h=6 m=16
